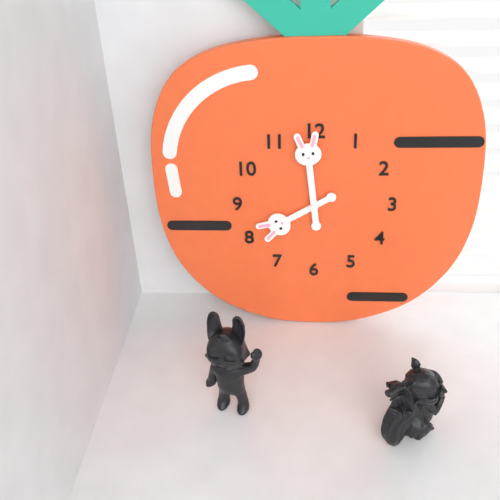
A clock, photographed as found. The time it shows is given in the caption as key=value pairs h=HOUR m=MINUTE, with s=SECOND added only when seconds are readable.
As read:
h=7 m=59
